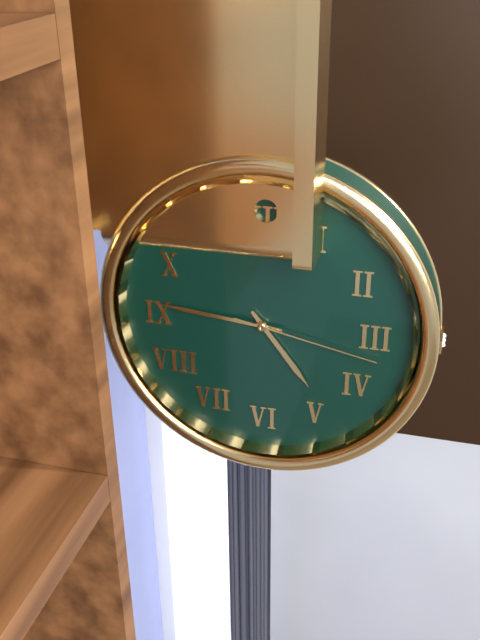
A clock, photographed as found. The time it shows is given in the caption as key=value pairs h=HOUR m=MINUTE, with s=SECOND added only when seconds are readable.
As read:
h=4 m=46 s=17
